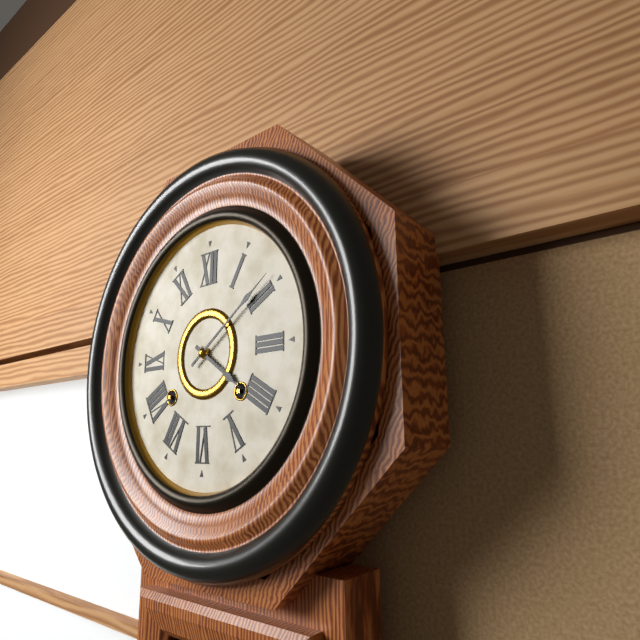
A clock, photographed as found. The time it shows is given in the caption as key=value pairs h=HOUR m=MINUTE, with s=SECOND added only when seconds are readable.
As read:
h=4 m=9
